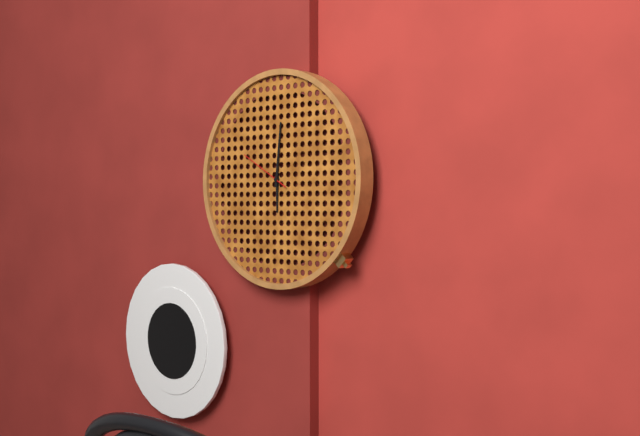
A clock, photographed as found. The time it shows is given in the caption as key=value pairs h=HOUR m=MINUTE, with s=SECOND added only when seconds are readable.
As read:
h=6 m=1 s=50
